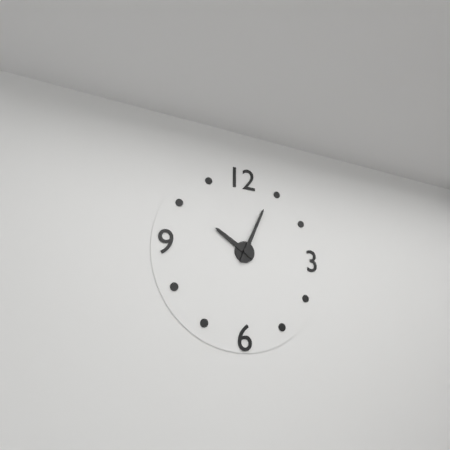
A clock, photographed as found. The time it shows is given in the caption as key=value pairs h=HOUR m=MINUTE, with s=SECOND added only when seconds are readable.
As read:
h=10 m=4
